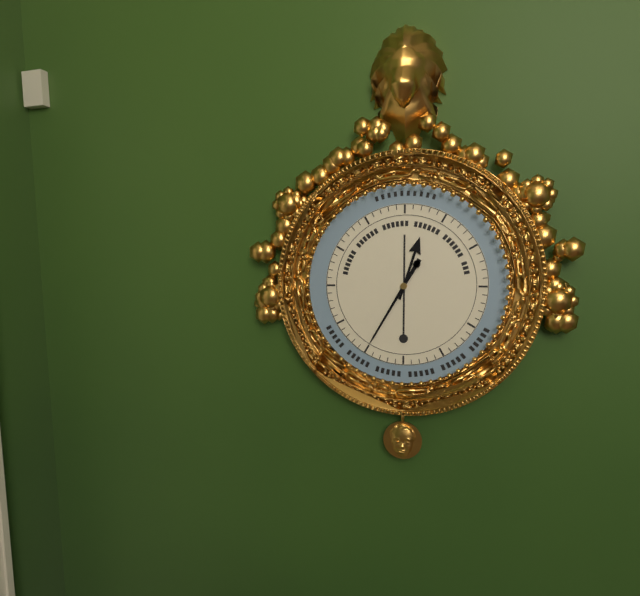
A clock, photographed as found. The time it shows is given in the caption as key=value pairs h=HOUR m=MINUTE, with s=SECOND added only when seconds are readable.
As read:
h=12 m=35
